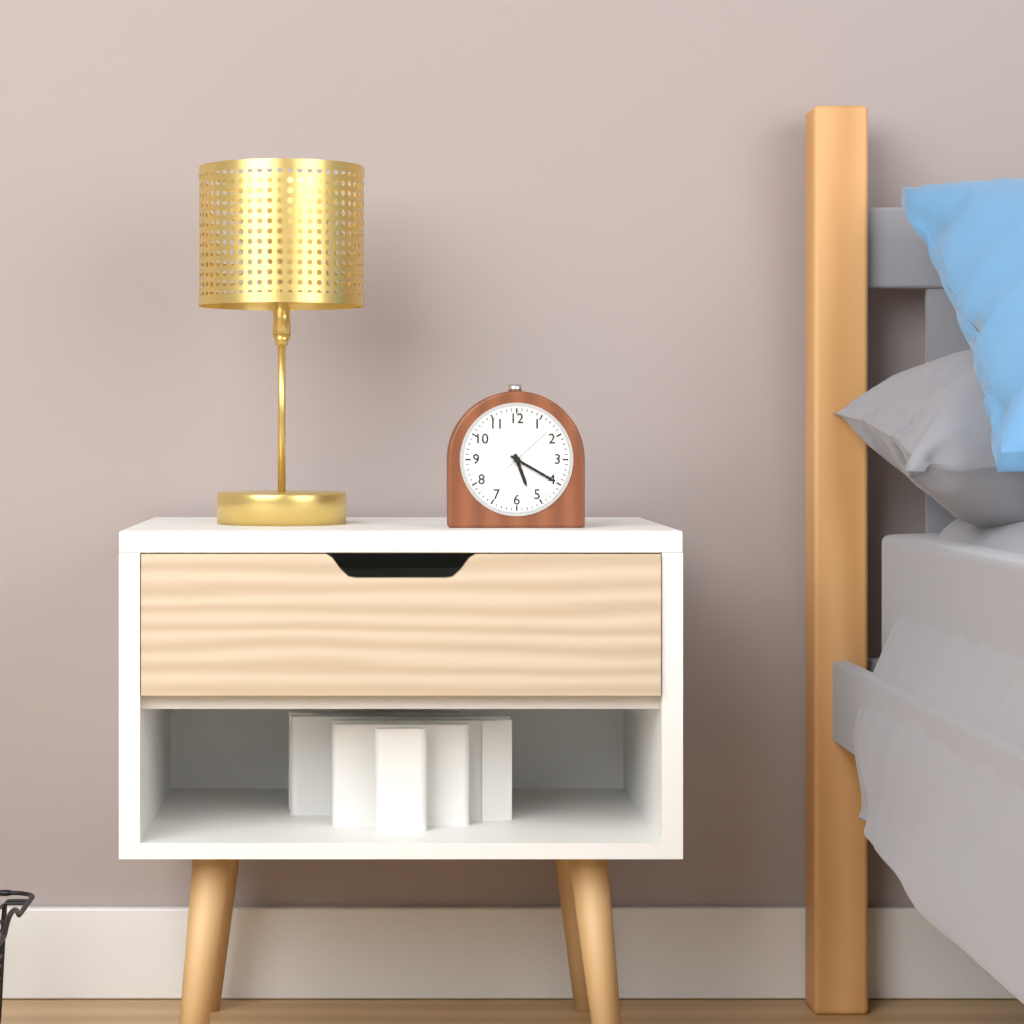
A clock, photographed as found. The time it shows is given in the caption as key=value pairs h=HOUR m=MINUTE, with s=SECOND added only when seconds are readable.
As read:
h=5 m=20 s=8
